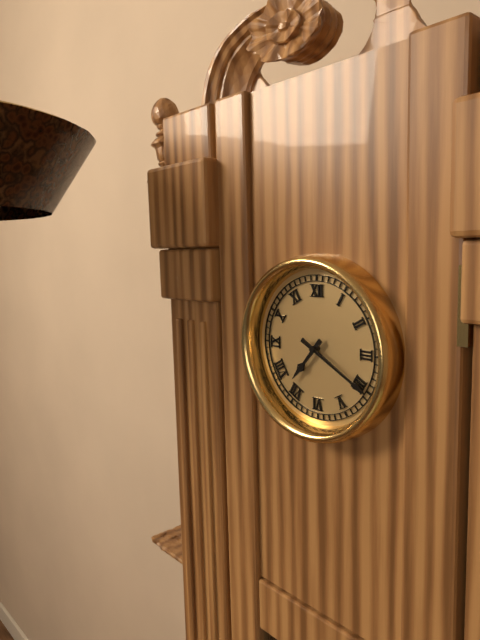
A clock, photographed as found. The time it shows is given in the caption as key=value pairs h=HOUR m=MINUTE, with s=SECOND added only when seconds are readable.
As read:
h=7 m=20
